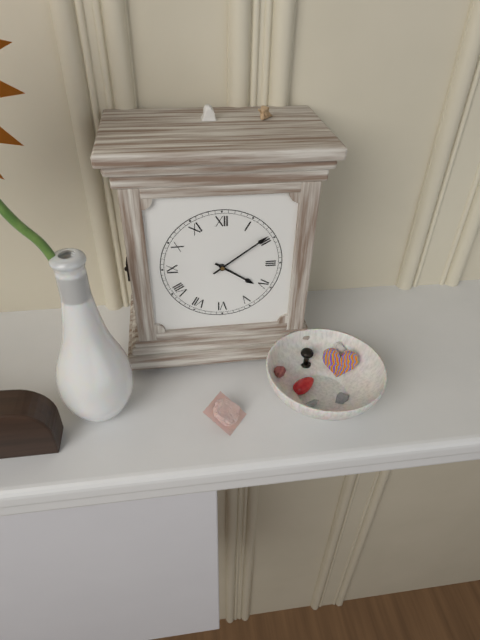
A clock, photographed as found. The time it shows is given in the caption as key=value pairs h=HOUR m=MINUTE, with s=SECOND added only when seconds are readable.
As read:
h=4 m=9
